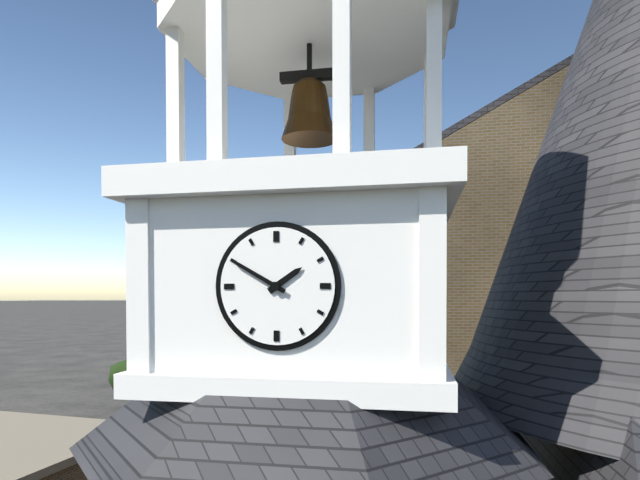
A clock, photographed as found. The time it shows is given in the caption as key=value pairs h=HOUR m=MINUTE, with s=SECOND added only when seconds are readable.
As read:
h=1 m=50
